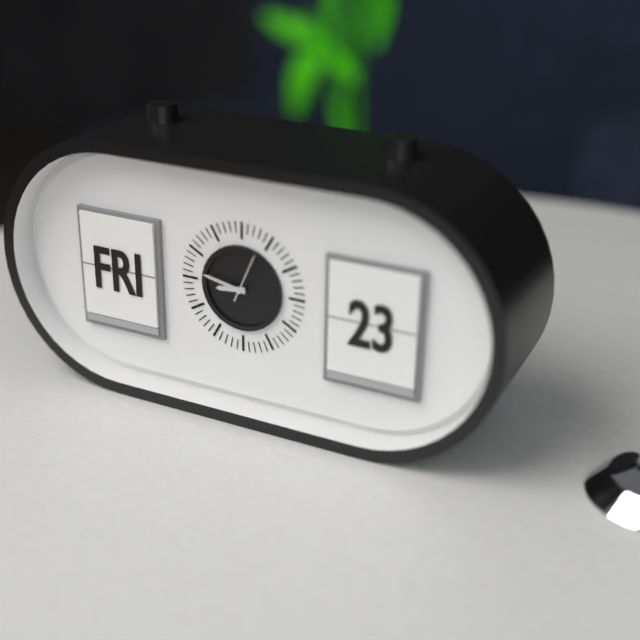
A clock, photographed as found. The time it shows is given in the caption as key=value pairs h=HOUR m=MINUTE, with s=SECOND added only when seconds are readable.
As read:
h=8 m=47
